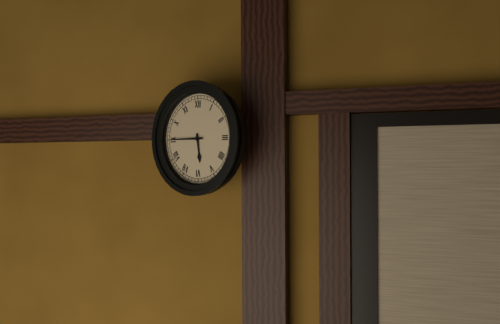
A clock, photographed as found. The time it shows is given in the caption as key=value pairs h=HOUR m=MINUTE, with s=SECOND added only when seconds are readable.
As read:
h=5 m=45
